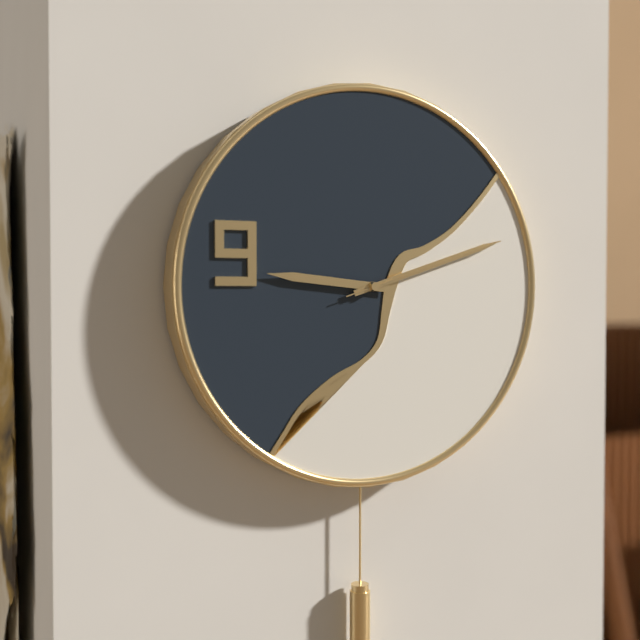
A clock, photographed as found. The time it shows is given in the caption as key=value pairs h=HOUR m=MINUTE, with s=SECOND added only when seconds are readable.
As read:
h=9 m=12 s=12
